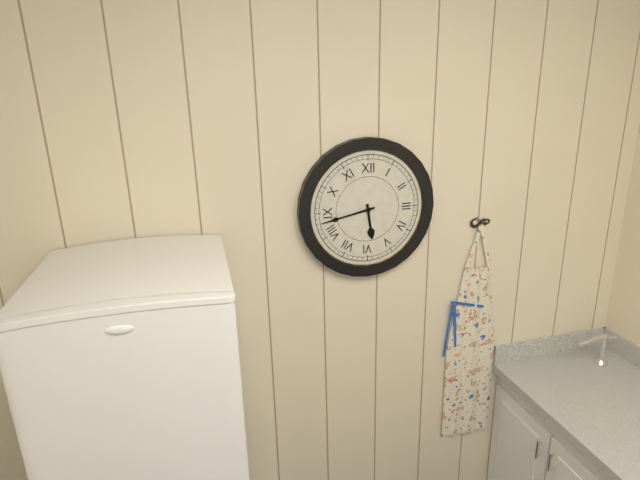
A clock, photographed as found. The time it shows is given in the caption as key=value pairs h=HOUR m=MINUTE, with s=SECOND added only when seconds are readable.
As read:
h=5 m=43
